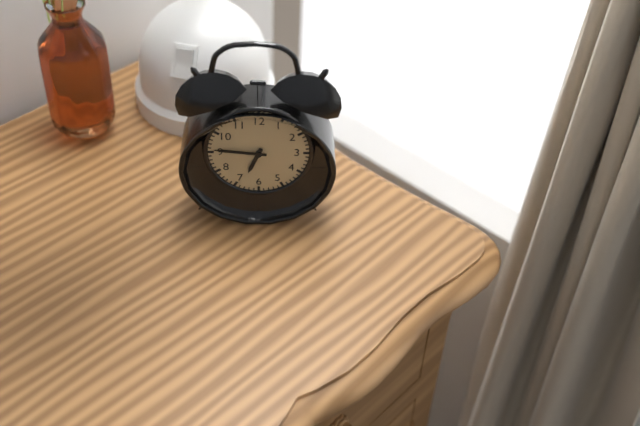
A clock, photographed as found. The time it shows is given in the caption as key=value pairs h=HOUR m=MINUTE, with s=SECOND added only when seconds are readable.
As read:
h=6 m=46
